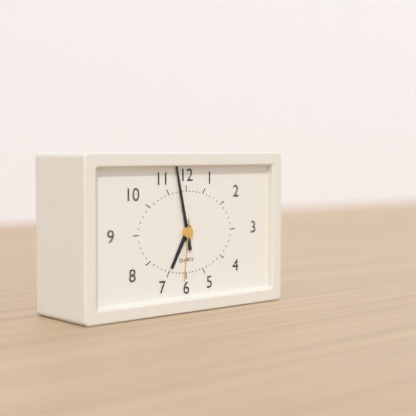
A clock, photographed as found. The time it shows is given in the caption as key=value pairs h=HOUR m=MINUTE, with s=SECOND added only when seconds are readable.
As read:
h=6 m=58 s=31
